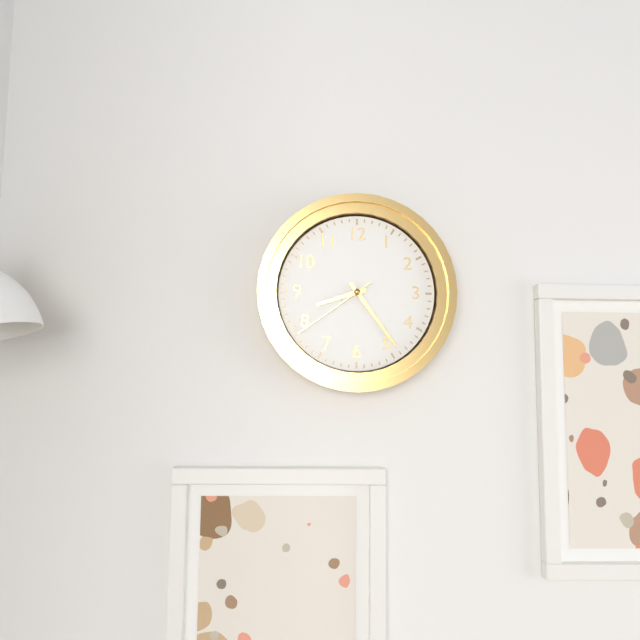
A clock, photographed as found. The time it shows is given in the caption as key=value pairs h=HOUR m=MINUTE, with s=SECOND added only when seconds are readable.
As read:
h=8 m=24 s=39
